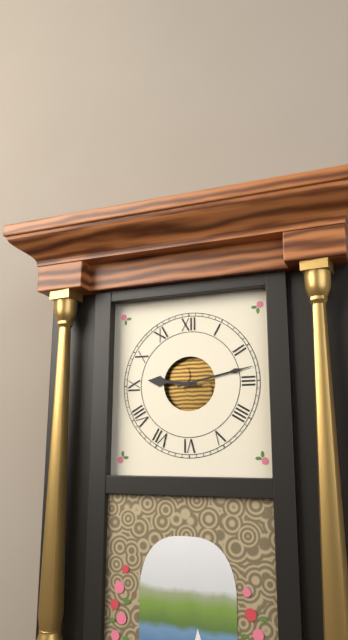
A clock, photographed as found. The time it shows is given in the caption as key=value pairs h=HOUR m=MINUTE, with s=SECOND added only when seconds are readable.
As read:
h=9 m=13
